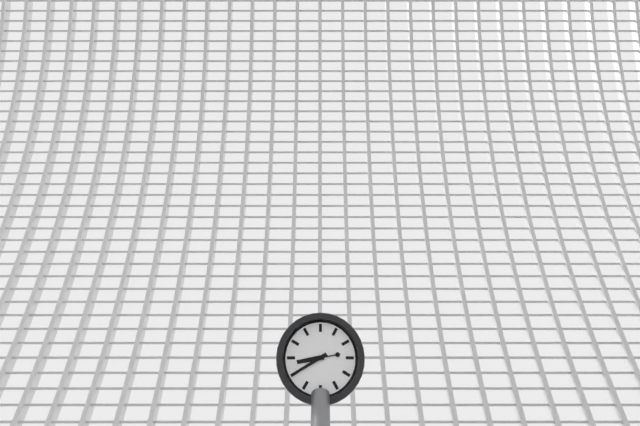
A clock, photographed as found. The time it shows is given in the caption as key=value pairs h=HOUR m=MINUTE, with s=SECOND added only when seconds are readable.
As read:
h=8 m=40
